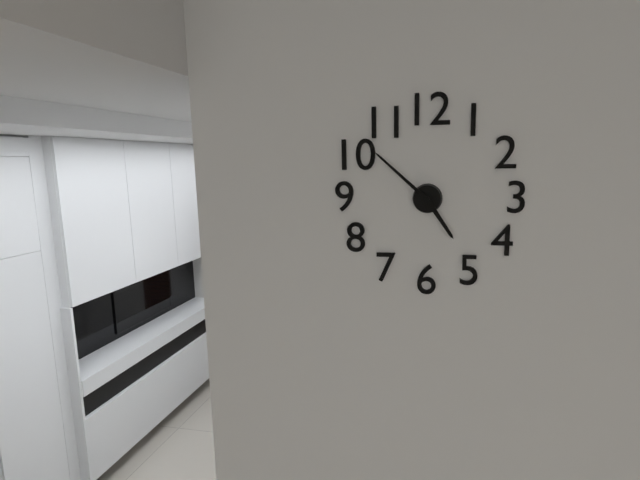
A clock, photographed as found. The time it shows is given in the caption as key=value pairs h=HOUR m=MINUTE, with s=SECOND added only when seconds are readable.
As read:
h=4 m=52
